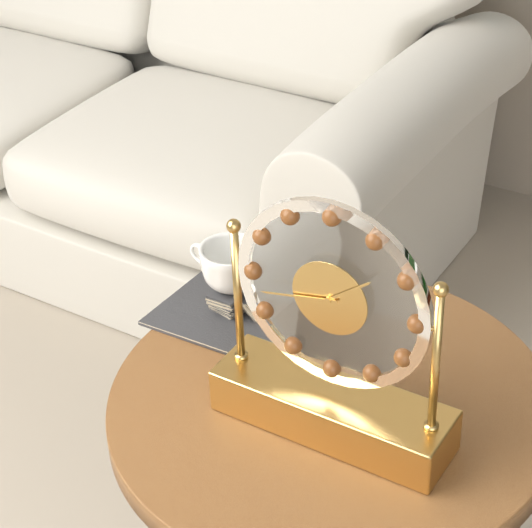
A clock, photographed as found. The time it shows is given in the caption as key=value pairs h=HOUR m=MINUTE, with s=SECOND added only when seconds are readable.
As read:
h=1 m=43
